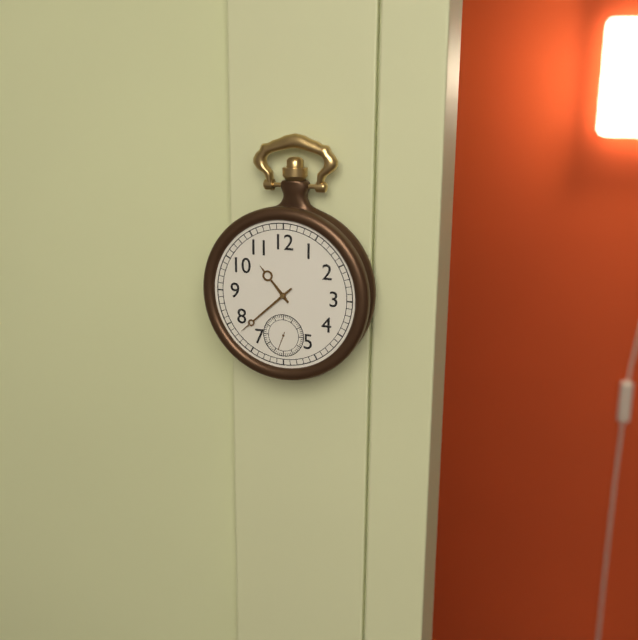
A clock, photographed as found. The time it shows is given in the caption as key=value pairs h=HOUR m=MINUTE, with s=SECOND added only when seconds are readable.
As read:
h=10 m=38
